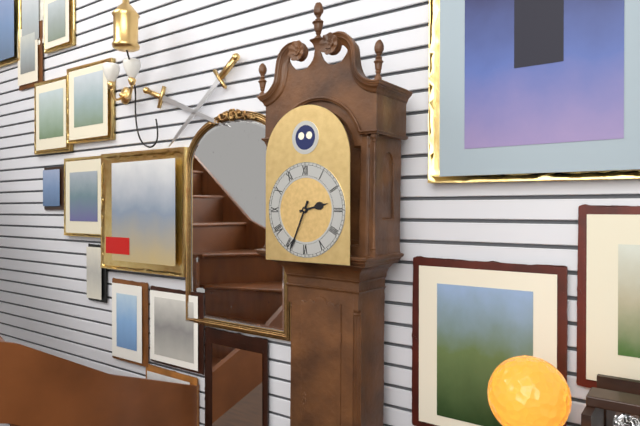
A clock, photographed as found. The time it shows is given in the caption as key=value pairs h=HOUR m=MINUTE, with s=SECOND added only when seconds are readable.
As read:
h=2 m=34
